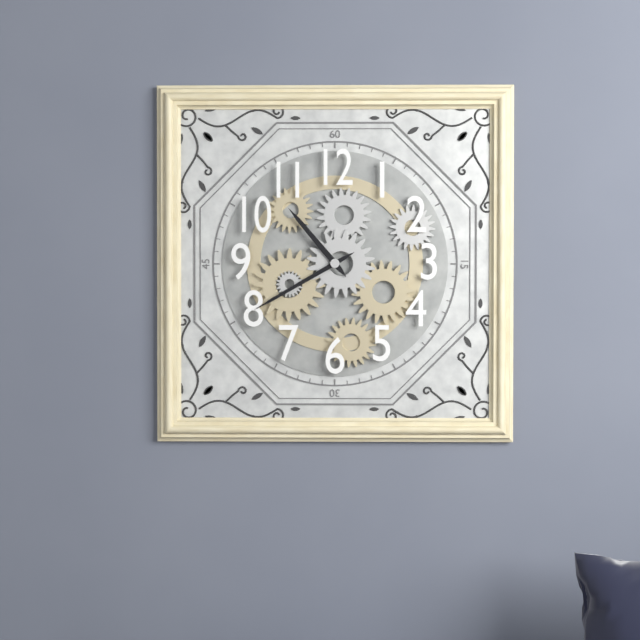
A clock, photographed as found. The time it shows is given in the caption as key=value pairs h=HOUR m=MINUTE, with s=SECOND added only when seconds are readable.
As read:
h=10 m=40
